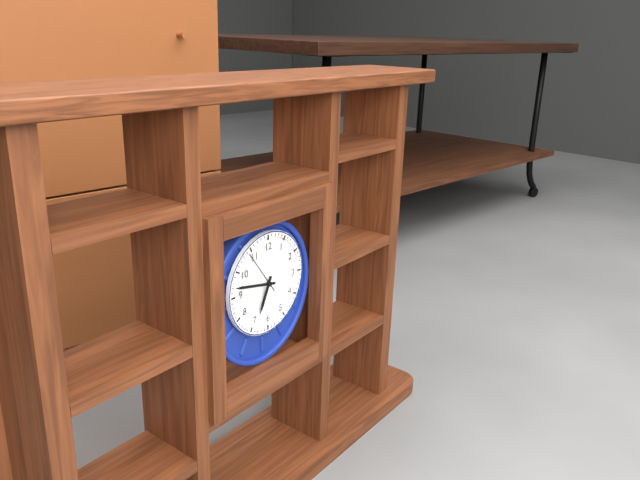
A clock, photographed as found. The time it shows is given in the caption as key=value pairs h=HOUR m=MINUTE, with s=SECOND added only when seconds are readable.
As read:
h=6 m=47
